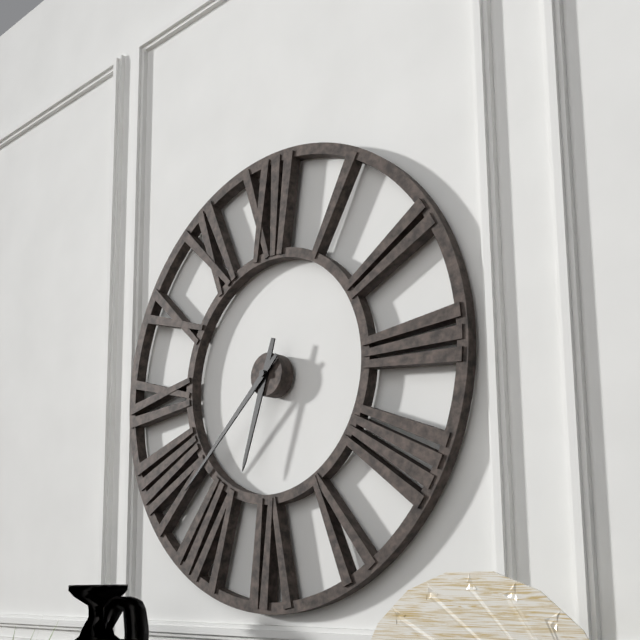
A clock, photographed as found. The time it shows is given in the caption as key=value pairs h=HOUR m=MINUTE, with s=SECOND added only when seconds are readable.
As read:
h=6 m=38
